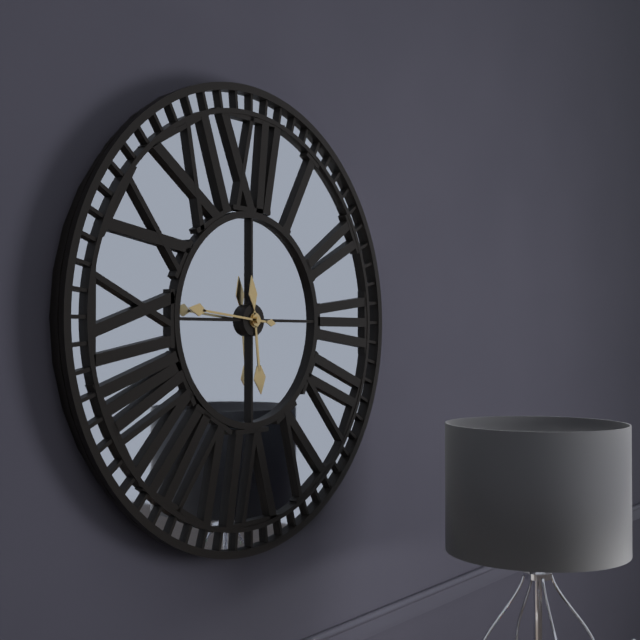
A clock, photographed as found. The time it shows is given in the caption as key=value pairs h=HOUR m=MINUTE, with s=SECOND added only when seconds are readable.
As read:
h=5 m=46
